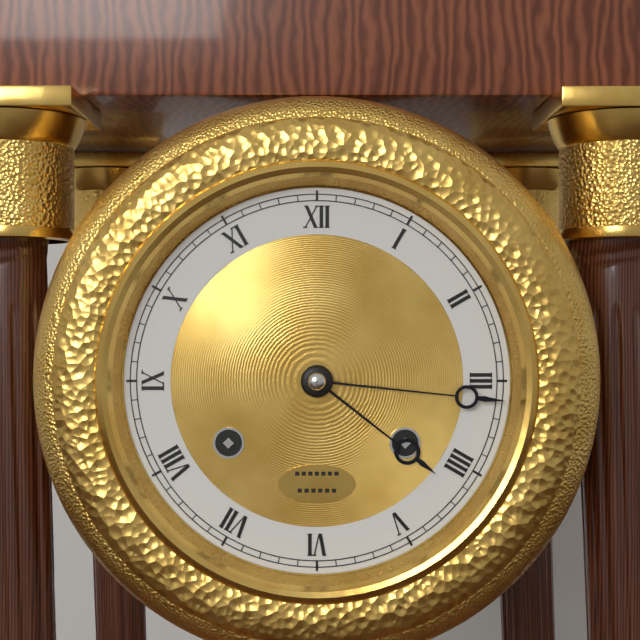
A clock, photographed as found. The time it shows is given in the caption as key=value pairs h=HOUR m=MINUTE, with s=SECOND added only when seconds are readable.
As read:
h=4 m=16
